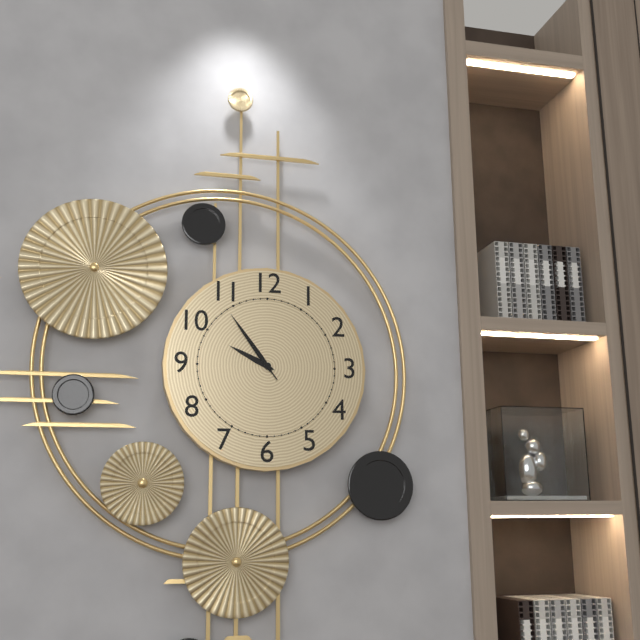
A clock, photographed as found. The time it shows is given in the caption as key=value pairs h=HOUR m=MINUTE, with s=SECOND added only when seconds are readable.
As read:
h=9 m=54 s=54
